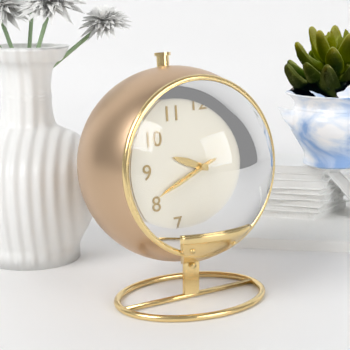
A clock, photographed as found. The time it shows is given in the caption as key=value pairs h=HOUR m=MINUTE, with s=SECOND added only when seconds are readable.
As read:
h=9 m=41 s=41
